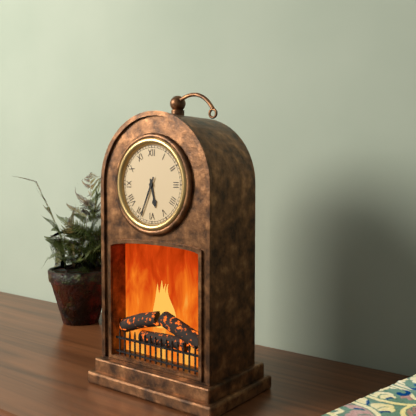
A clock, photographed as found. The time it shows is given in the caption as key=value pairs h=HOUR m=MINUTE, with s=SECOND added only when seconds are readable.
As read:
h=5 m=34
